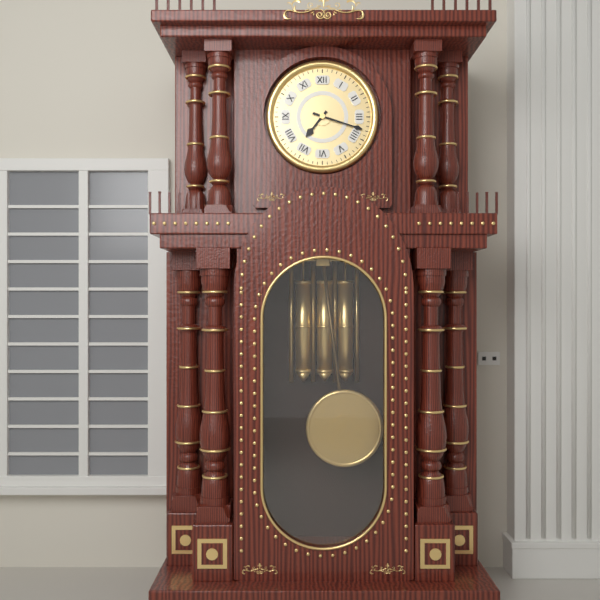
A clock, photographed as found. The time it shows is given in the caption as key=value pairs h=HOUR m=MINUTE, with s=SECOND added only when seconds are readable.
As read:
h=7 m=18
